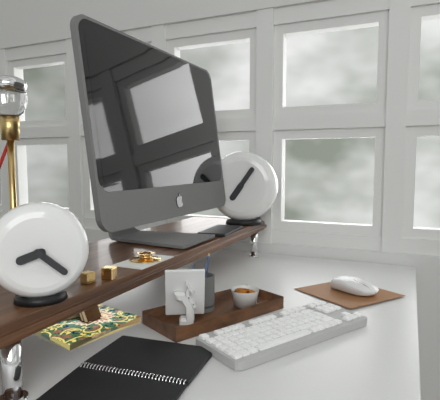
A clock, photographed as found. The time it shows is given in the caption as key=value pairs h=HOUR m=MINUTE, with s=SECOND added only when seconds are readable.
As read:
h=8 m=22
